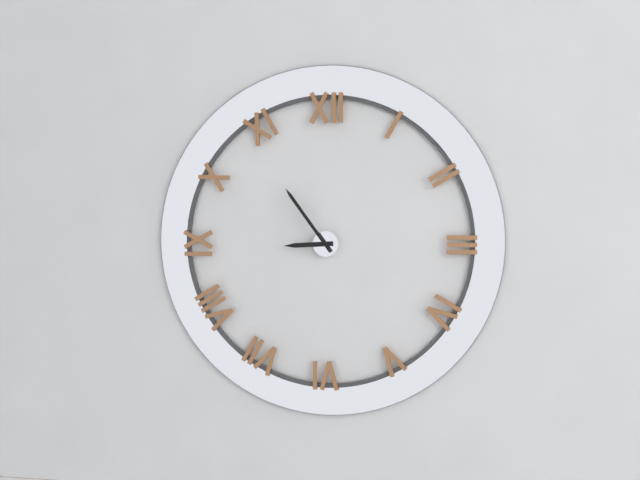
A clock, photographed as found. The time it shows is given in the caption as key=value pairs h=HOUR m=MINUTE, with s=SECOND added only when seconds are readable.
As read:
h=8 m=54
